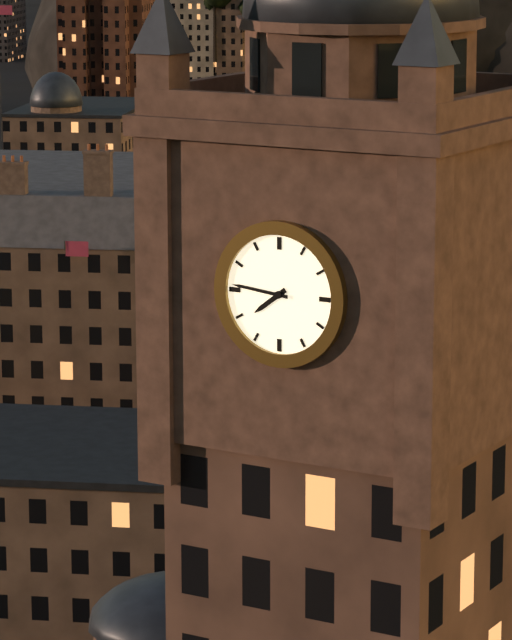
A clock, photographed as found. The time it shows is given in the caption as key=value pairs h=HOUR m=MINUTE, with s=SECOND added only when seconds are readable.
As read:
h=7 m=46
